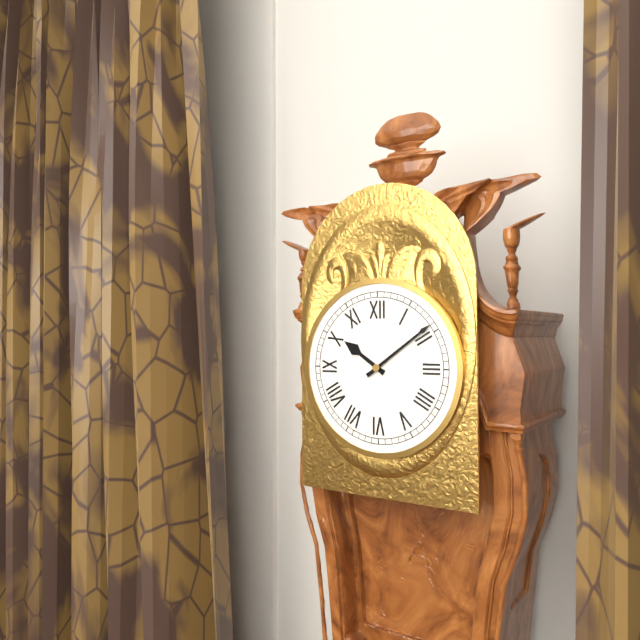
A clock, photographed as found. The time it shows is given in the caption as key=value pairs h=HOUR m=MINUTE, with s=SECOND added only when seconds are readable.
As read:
h=10 m=9
